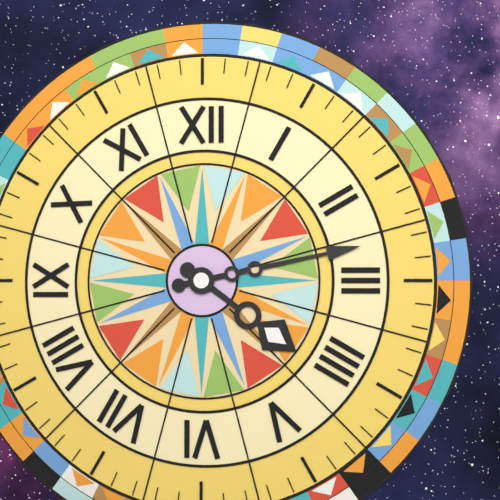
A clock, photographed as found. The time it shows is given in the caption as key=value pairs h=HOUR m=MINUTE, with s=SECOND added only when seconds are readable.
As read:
h=4 m=13
